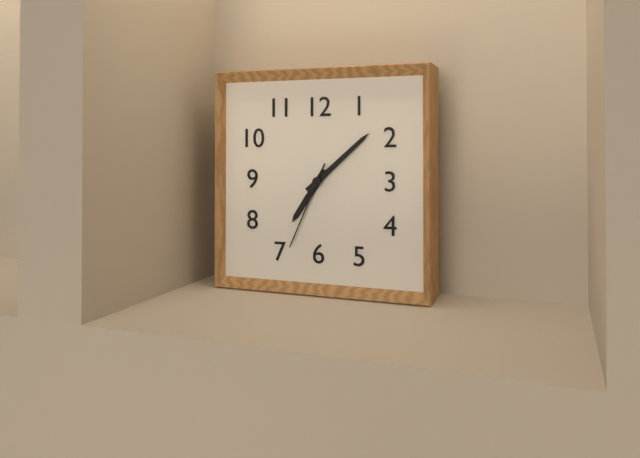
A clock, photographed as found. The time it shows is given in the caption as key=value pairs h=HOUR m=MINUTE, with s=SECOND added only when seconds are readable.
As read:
h=7 m=8 s=34
